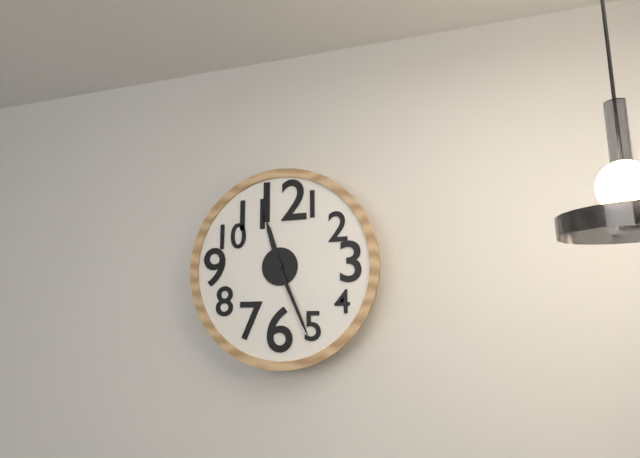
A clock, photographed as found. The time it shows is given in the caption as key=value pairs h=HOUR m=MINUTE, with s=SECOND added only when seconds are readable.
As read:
h=11 m=26
